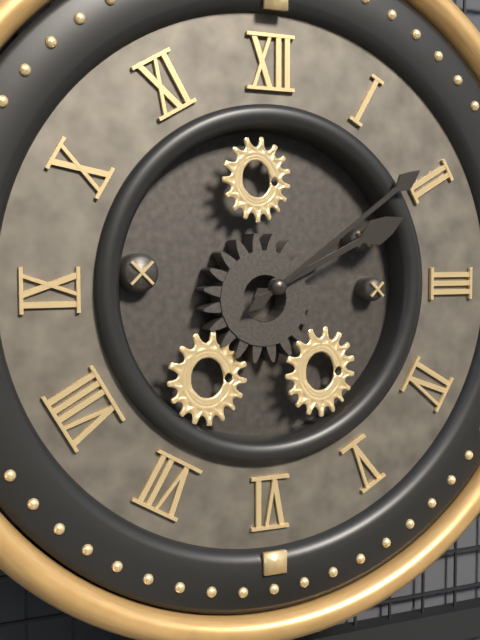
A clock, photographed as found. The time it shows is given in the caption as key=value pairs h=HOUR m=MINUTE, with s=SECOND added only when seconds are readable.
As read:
h=2 m=9
